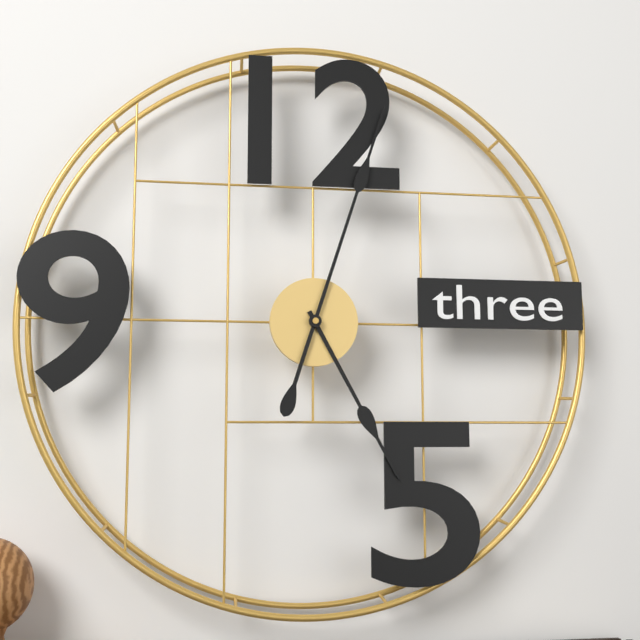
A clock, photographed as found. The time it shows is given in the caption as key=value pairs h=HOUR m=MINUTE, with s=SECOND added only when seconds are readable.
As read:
h=5 m=3
